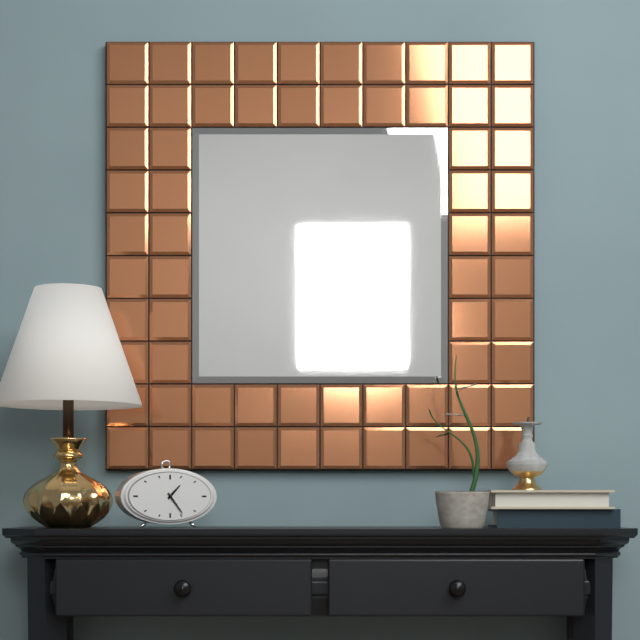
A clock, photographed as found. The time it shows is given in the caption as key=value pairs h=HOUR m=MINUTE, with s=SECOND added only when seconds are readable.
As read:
h=1 m=24
